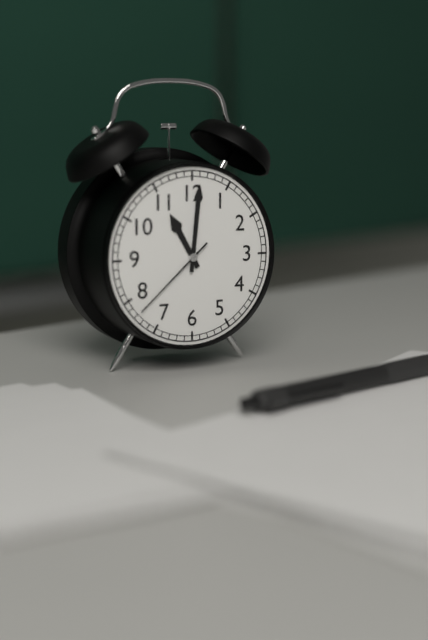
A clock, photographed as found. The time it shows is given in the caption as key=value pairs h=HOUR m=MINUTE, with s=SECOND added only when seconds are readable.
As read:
h=11 m=1 s=38
